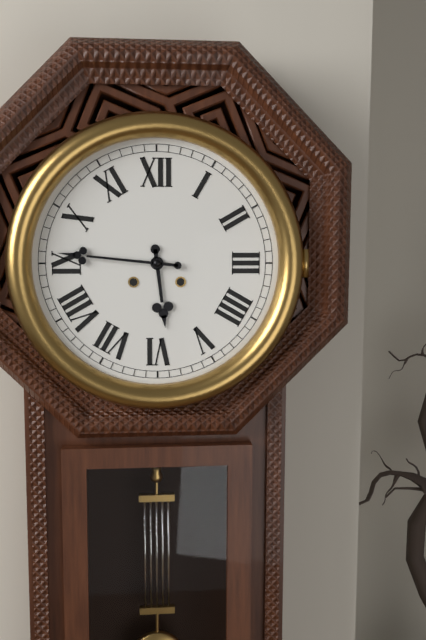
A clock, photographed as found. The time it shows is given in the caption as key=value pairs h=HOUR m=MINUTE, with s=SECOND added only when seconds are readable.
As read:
h=5 m=46
